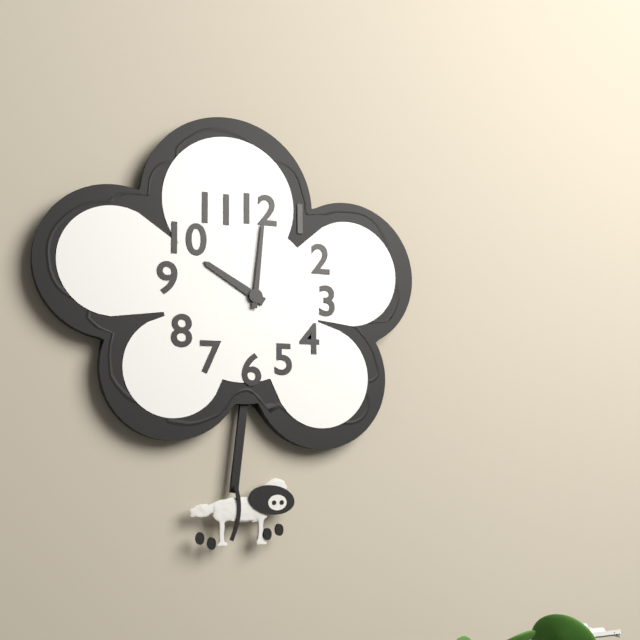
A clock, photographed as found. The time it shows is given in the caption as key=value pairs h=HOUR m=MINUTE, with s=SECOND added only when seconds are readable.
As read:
h=10 m=1
